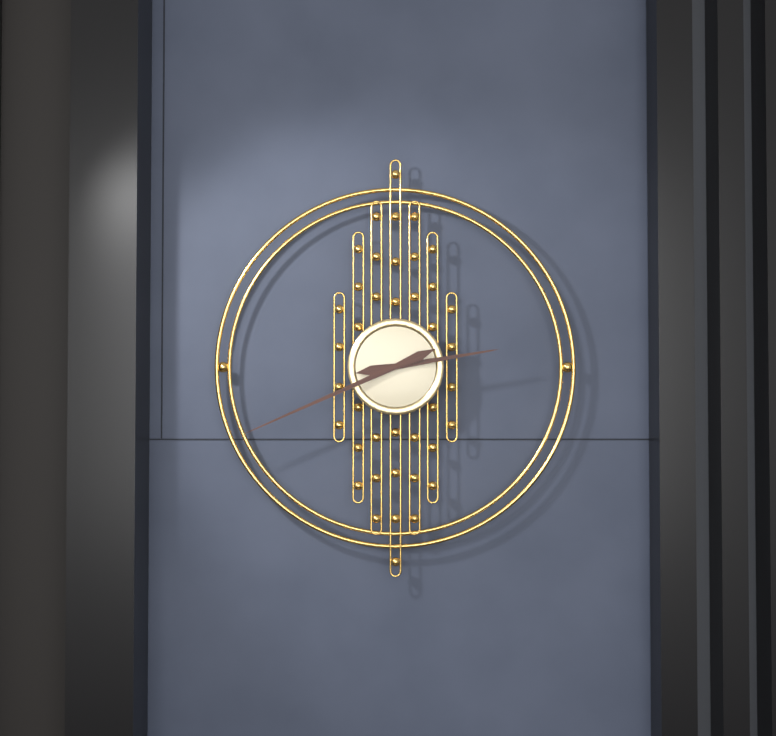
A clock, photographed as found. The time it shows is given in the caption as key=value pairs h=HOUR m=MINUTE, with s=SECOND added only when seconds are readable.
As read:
h=2 m=41
